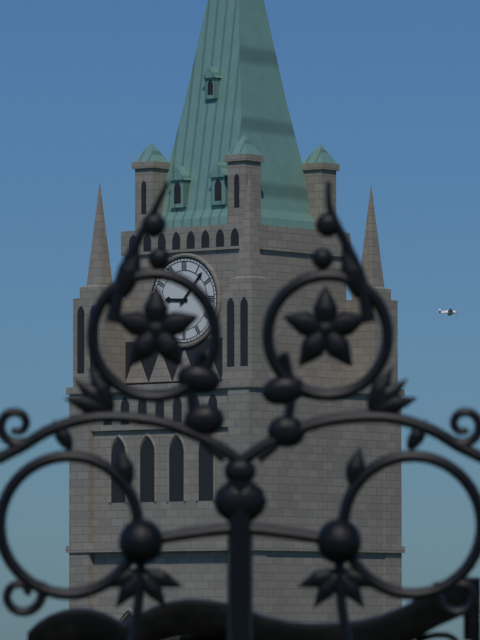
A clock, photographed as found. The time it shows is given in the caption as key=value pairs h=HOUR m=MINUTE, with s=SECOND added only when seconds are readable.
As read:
h=9 m=7
